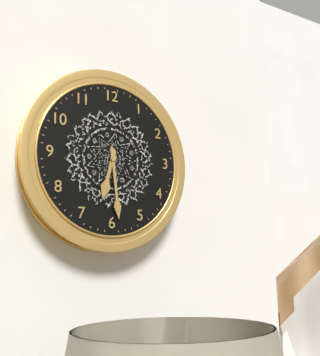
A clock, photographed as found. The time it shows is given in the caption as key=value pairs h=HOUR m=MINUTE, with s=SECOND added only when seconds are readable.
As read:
h=6 m=29
